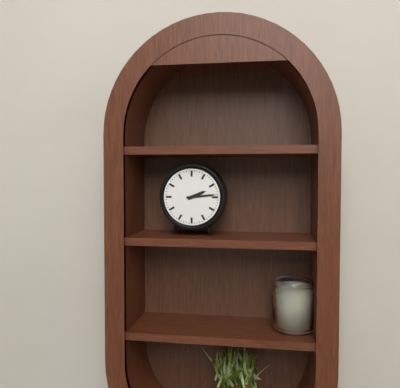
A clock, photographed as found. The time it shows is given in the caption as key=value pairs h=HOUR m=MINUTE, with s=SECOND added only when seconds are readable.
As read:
h=2 m=14
